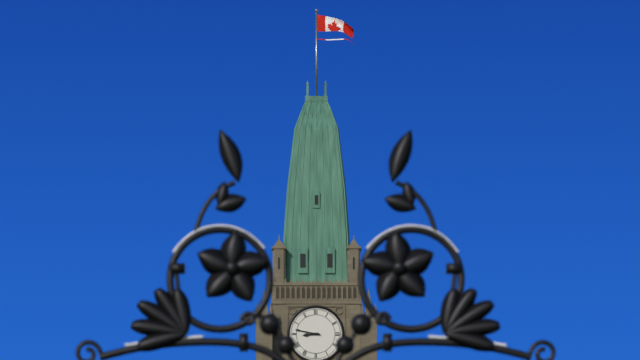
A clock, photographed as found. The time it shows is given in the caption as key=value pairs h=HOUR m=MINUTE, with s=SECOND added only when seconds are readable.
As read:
h=8 m=47
